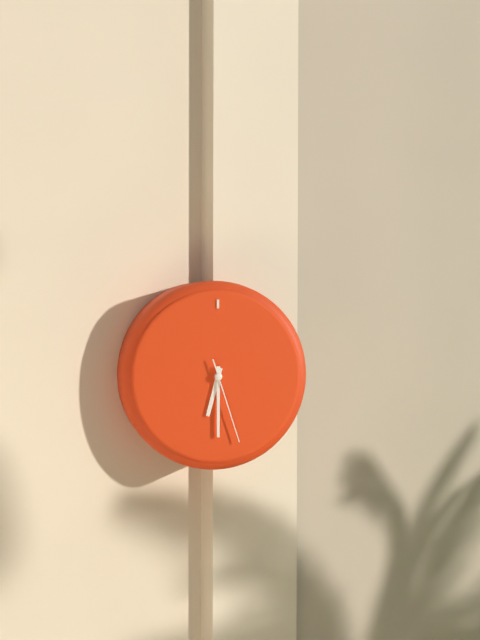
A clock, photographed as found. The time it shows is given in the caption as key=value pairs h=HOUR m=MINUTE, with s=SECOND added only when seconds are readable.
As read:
h=6 m=30 s=27
